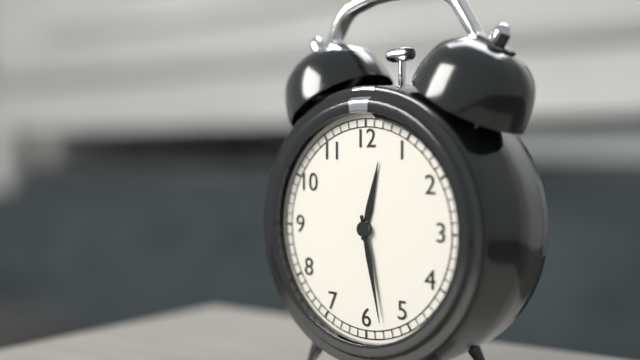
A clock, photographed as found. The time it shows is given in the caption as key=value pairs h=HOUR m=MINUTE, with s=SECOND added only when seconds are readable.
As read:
h=12 m=28
